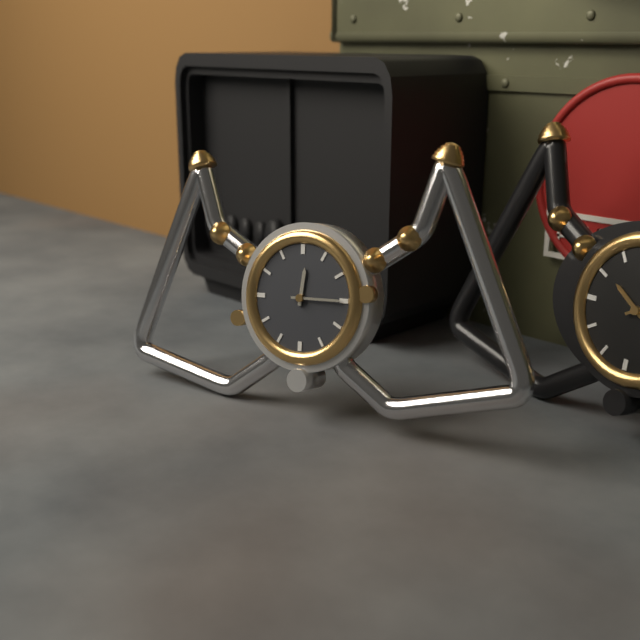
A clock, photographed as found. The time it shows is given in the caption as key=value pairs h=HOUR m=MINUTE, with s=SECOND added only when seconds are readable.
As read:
h=12 m=15
